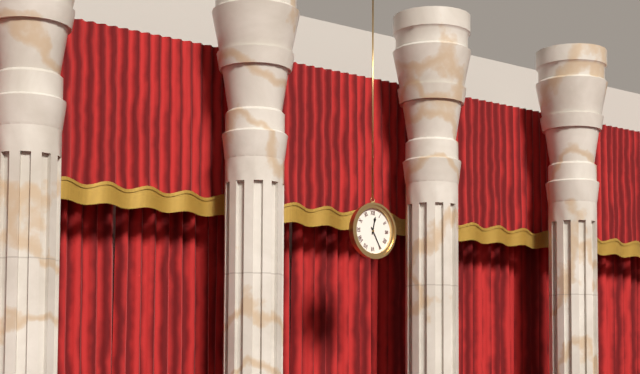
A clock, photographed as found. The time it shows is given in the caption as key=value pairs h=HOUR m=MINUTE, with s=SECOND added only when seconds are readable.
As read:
h=12 m=25
